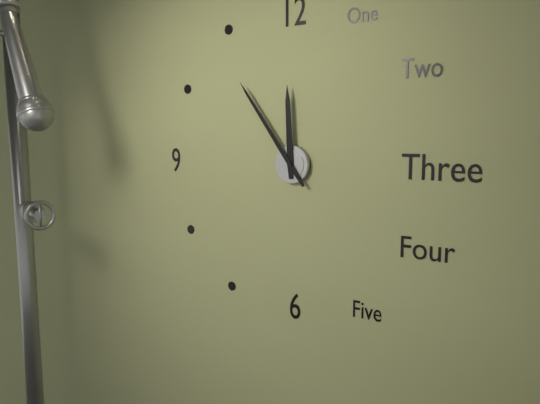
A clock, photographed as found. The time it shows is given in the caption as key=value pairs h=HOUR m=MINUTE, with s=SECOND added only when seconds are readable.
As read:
h=11 m=54
